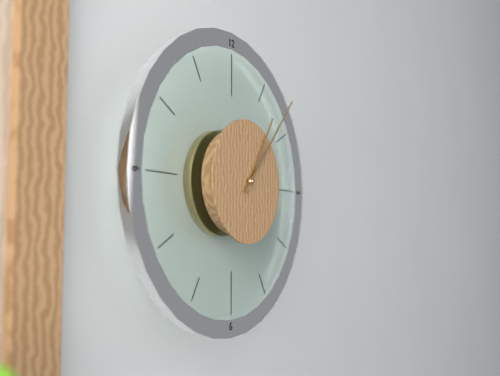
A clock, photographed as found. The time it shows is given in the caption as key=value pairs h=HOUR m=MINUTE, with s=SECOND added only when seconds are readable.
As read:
h=1 m=7
